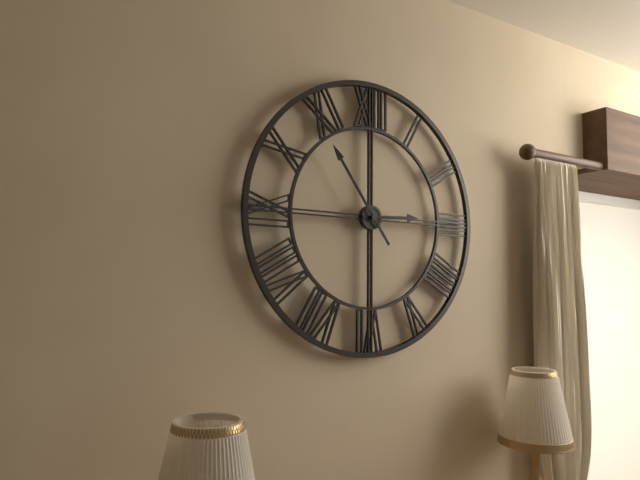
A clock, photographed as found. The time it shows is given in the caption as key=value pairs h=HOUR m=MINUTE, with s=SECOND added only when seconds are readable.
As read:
h=2 m=54
